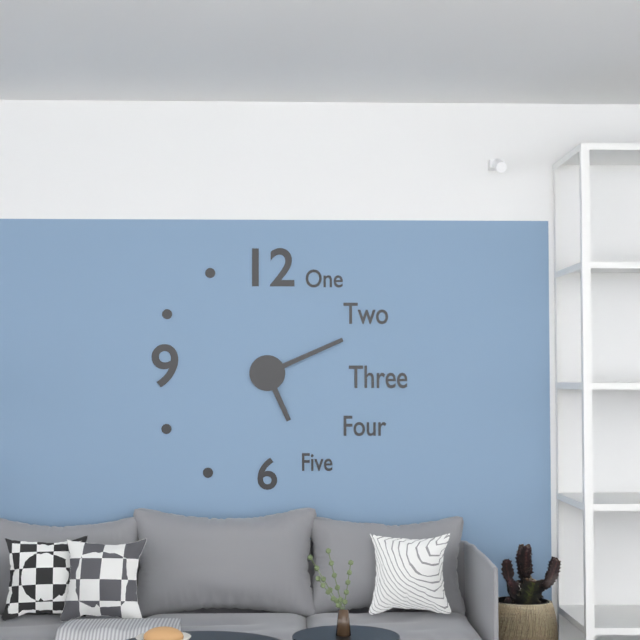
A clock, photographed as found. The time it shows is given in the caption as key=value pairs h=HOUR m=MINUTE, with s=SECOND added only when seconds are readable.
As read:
h=5 m=11
